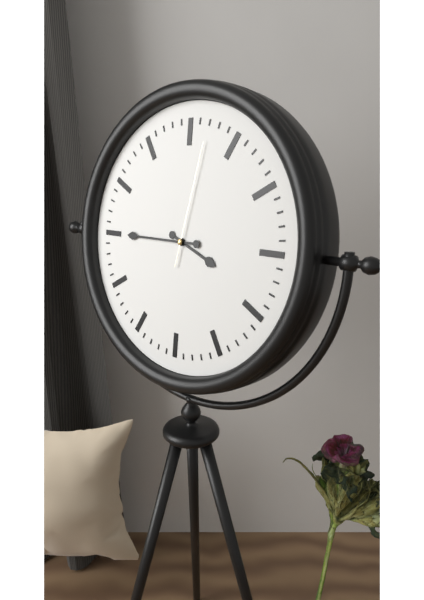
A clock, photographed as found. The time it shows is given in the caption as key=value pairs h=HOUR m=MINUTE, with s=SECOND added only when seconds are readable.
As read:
h=3 m=45 s=2
